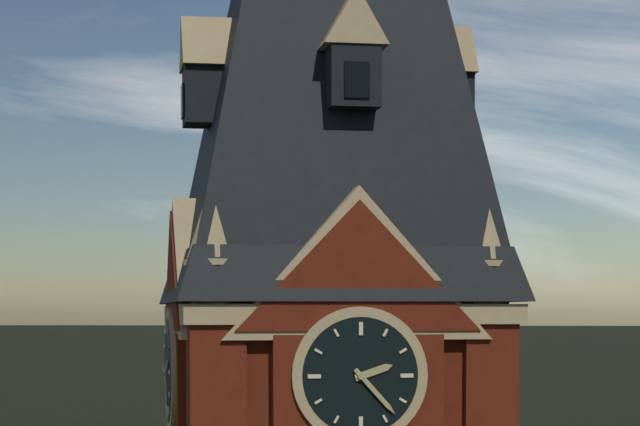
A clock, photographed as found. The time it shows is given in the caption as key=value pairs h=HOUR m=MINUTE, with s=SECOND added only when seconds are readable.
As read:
h=2 m=23
